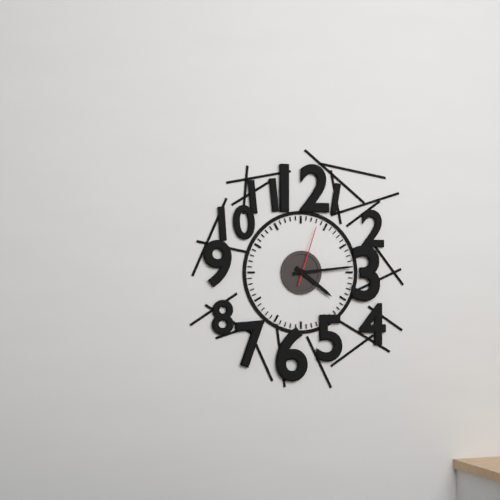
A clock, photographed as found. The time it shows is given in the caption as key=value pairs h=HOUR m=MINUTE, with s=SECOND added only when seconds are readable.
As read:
h=4 m=14 s=3
